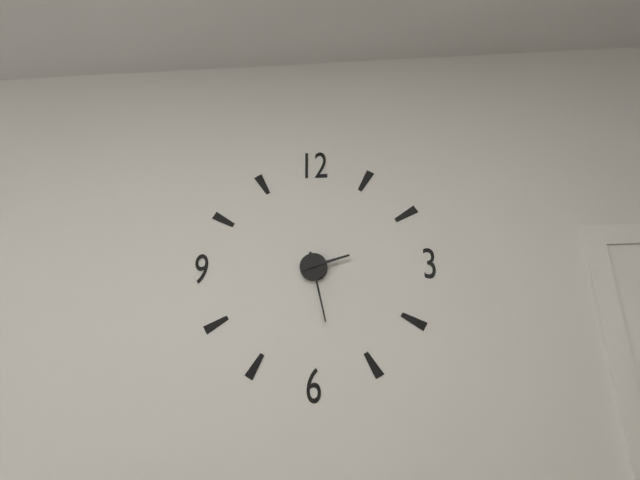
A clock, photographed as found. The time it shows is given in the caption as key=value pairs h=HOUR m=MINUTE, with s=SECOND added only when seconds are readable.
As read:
h=2 m=28
